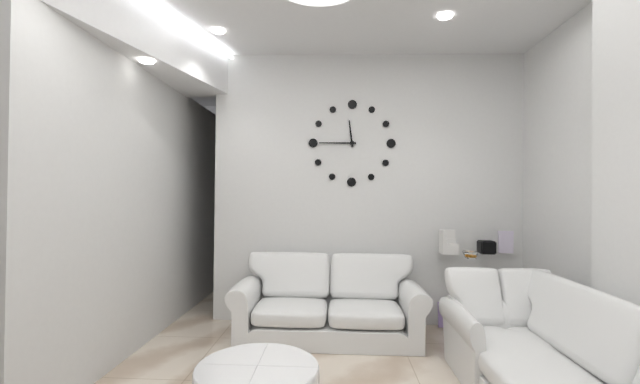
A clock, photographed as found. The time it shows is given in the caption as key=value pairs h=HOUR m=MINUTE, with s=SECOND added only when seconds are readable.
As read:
h=11 m=45
